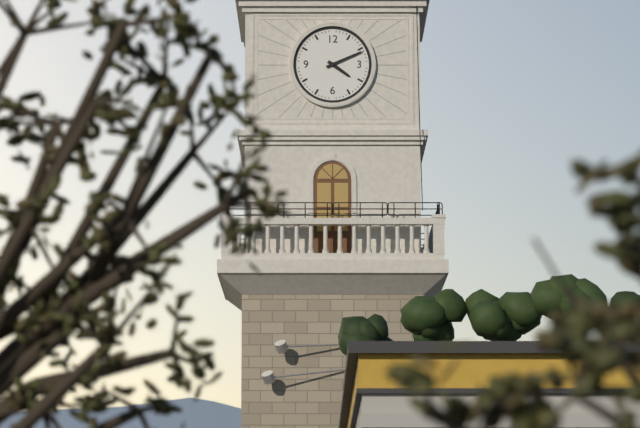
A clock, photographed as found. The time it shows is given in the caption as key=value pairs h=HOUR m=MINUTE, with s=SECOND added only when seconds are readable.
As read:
h=4 m=11
